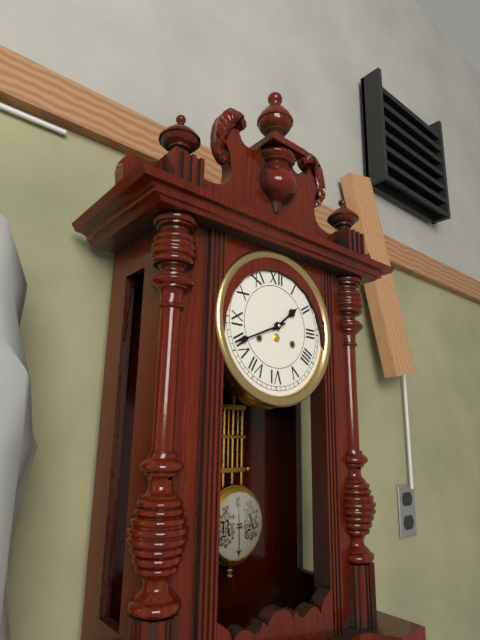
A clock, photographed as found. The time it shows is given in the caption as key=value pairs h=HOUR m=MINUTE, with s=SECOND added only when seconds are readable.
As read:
h=1 m=41
